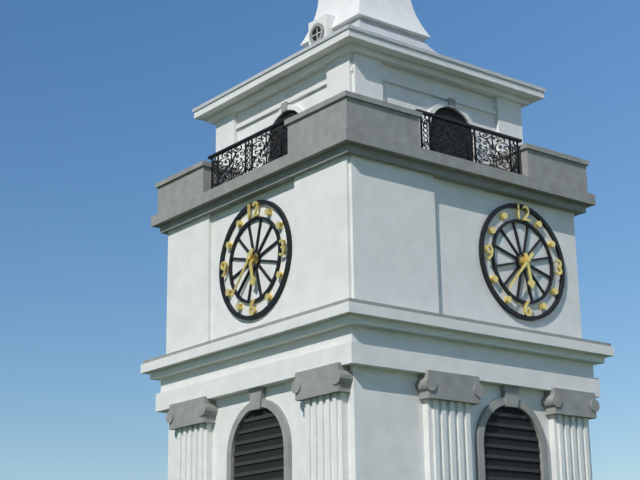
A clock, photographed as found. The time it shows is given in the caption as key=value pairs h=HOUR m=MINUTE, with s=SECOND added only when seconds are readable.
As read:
h=5 m=37
